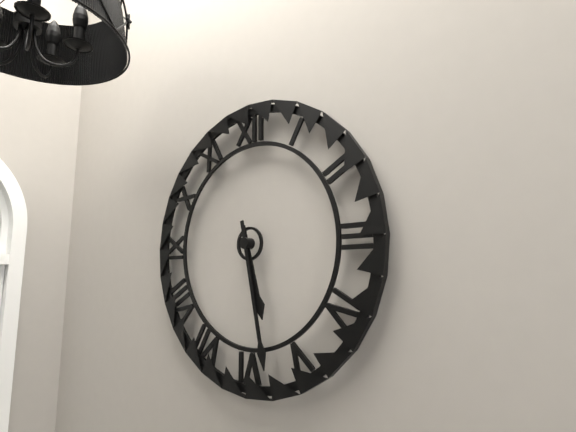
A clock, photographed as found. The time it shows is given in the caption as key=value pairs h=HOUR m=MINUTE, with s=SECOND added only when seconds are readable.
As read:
h=5 m=28
